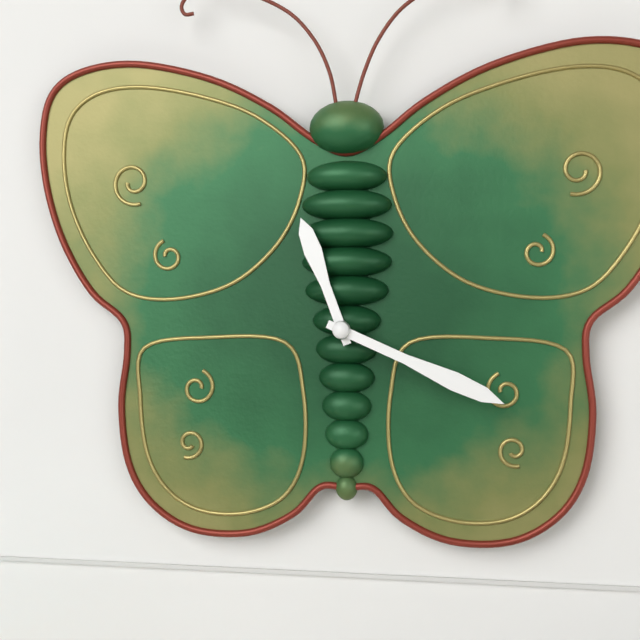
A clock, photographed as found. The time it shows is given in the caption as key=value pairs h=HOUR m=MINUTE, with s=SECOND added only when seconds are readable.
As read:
h=11 m=19
